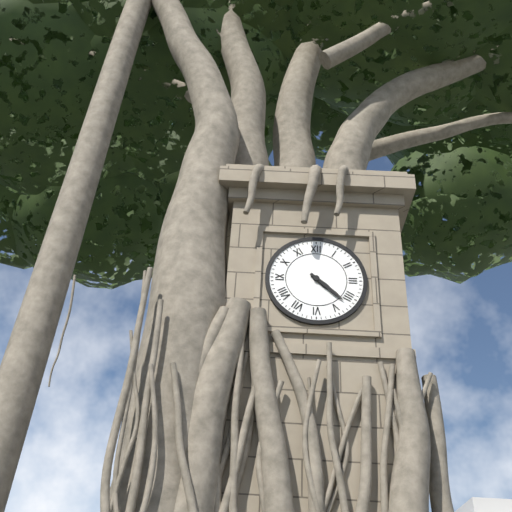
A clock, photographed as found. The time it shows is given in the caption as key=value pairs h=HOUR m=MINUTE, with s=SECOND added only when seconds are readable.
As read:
h=4 m=22
